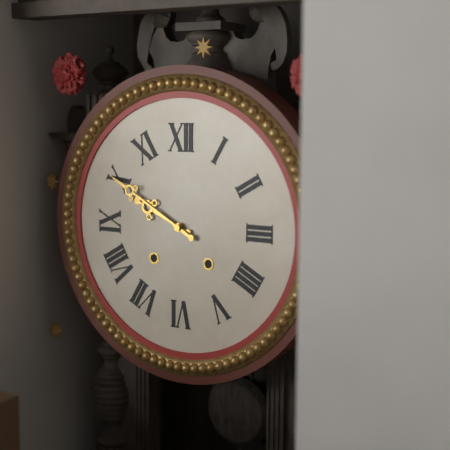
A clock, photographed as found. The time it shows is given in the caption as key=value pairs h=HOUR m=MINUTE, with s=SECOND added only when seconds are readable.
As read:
h=9 m=50
